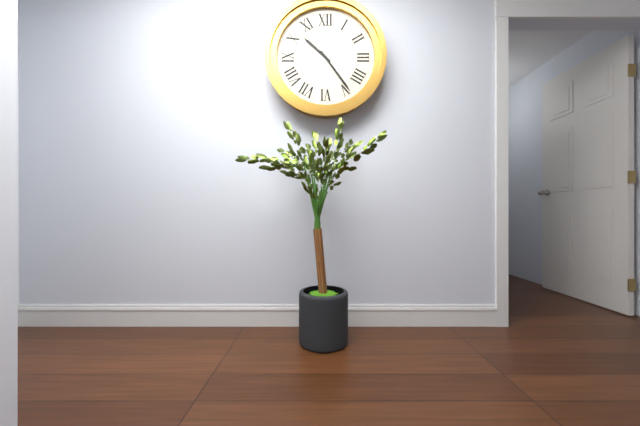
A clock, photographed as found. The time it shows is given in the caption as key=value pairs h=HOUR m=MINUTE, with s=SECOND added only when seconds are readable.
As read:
h=10 m=24
